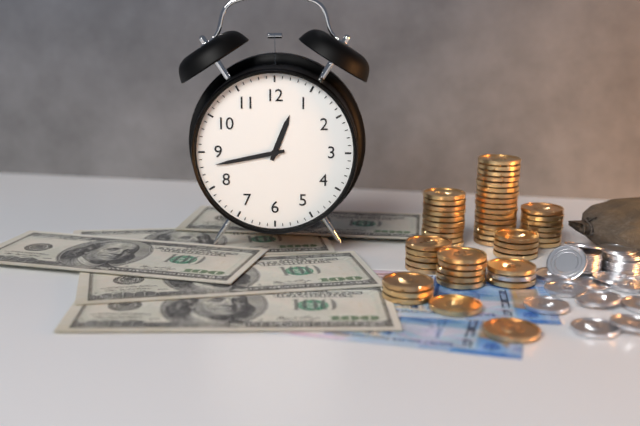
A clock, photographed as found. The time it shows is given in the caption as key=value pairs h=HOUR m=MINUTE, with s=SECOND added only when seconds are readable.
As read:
h=12 m=43
